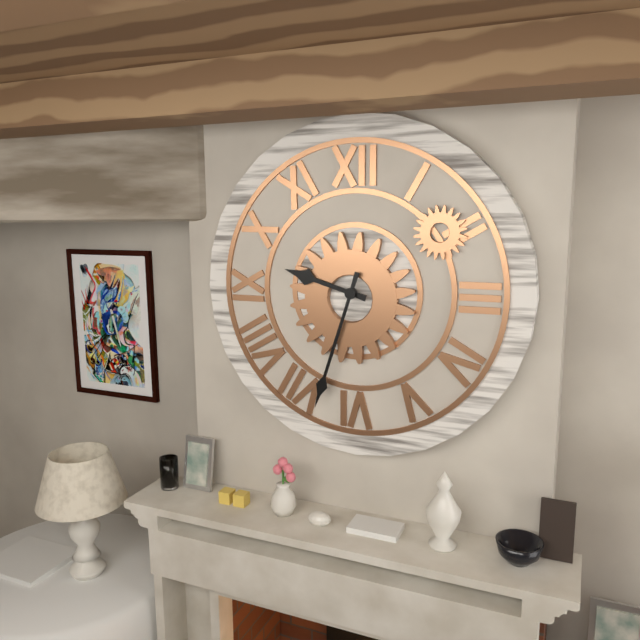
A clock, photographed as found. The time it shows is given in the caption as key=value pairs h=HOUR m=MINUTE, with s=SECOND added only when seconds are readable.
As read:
h=9 m=33
